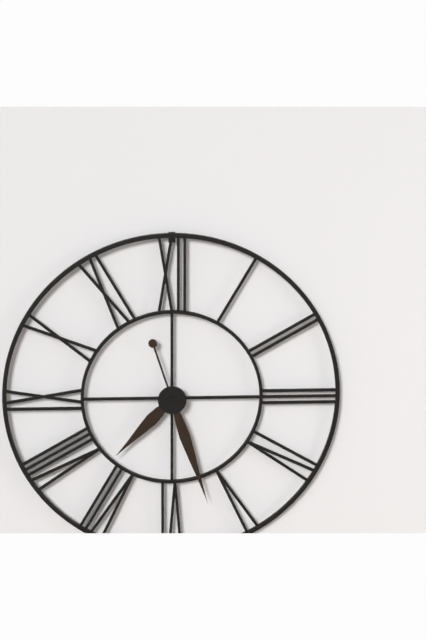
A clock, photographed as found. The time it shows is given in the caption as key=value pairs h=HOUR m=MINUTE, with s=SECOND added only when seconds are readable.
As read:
h=7 m=27
